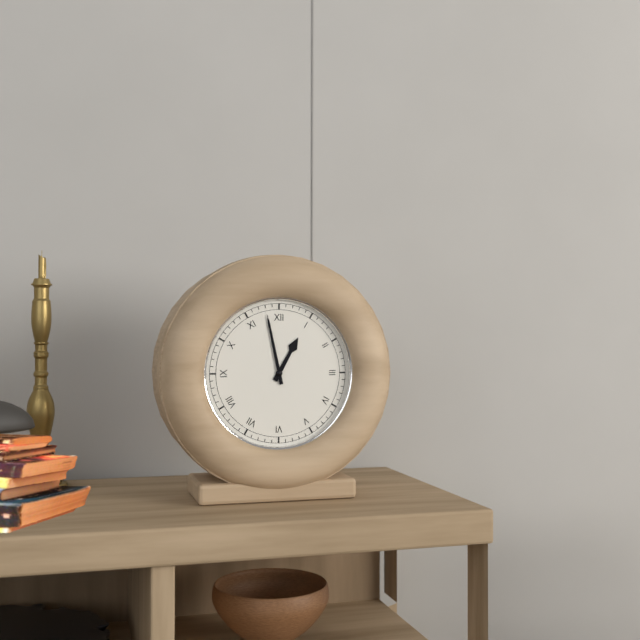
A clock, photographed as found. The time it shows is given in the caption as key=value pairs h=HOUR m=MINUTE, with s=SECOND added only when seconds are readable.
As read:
h=12 m=58
